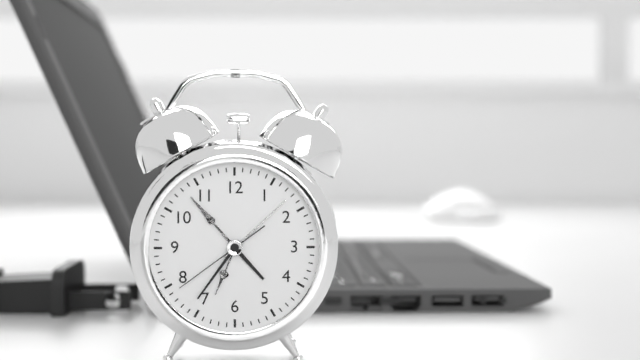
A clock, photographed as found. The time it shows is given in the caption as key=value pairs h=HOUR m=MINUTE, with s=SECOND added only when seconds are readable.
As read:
h=4 m=36 s=39
